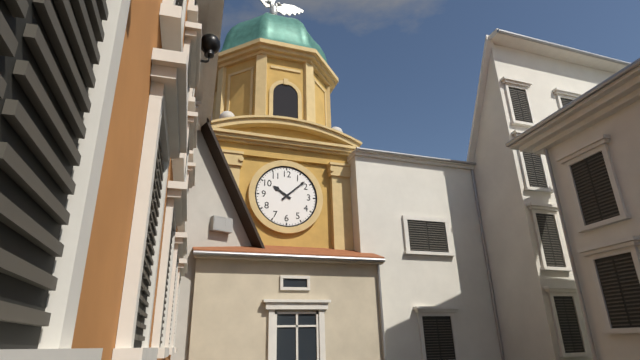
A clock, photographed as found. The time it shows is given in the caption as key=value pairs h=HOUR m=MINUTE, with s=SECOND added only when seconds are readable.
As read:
h=10 m=8
